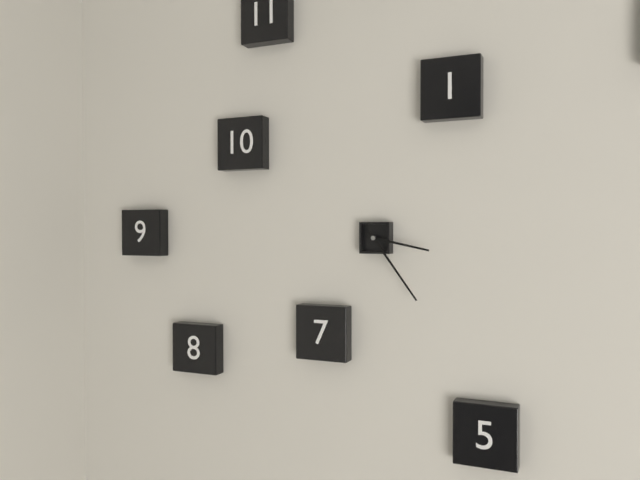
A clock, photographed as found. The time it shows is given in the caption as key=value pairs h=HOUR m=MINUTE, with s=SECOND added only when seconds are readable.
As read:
h=3 m=24
